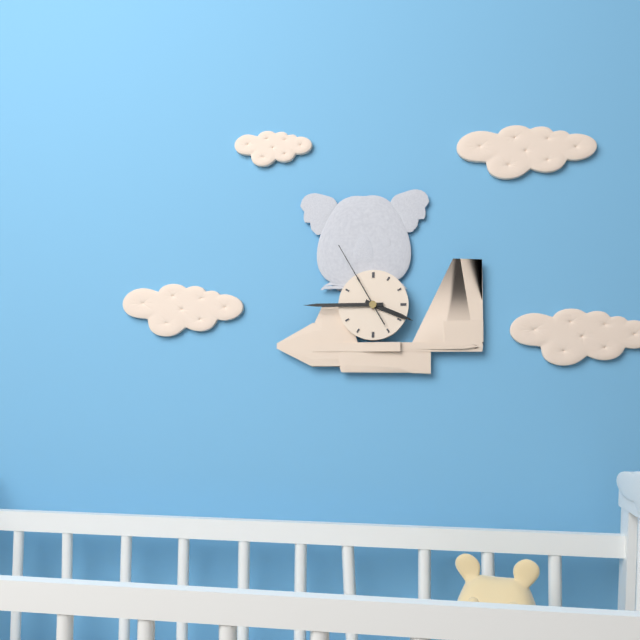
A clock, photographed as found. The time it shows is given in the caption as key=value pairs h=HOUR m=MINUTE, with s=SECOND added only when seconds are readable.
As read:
h=3 m=45 s=55
